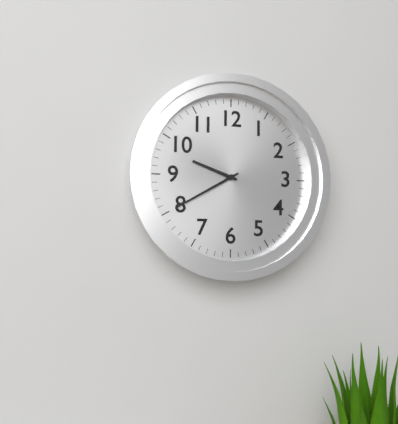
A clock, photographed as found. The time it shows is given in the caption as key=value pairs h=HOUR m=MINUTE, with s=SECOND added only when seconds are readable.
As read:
h=9 m=40
